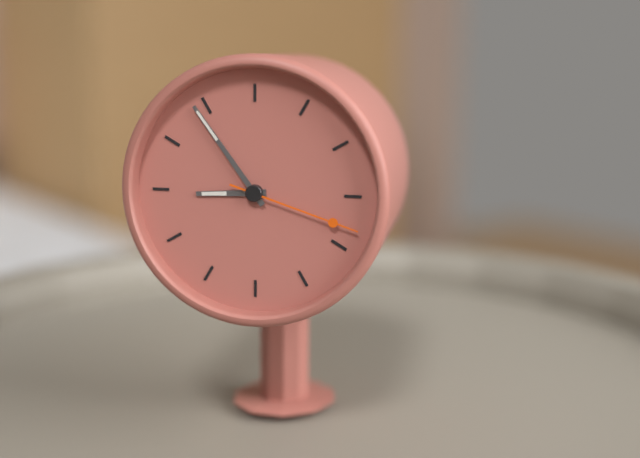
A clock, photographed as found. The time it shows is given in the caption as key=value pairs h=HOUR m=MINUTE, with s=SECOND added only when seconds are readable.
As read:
h=8 m=54 s=18
